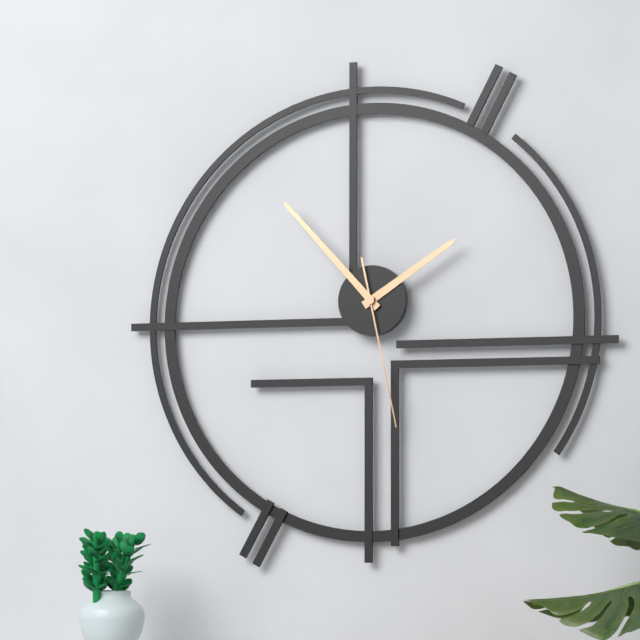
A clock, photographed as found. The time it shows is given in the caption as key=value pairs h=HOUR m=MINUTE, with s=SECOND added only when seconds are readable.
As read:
h=1 m=53 s=28
